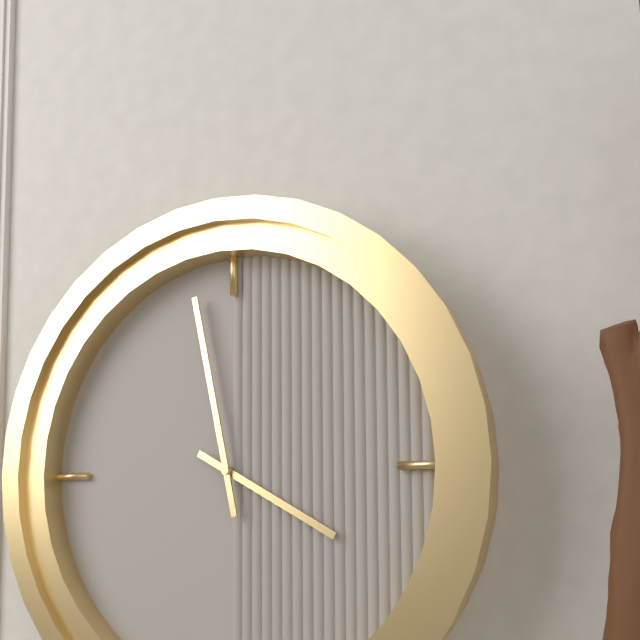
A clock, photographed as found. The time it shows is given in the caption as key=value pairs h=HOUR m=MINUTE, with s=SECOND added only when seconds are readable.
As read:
h=3 m=58
